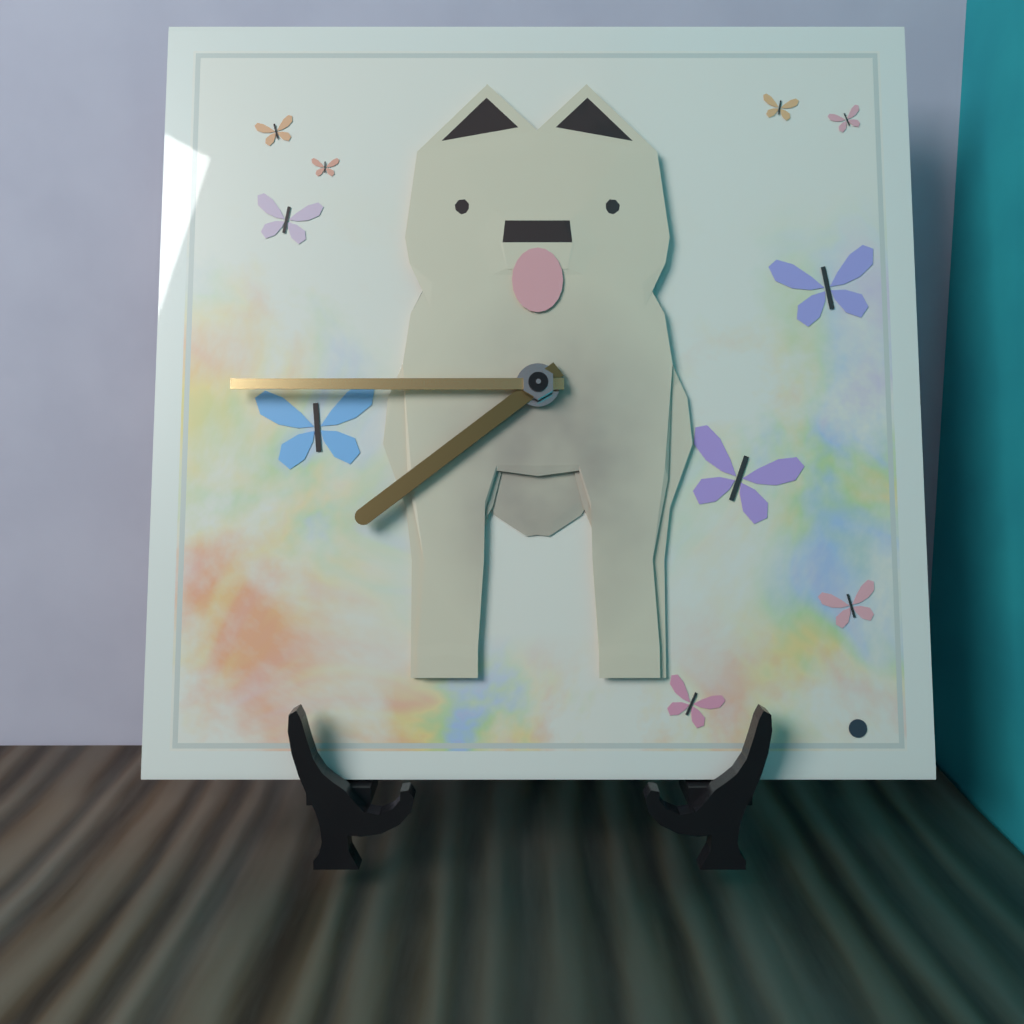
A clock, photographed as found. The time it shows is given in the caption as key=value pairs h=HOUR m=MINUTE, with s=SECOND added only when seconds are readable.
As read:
h=7 m=45
